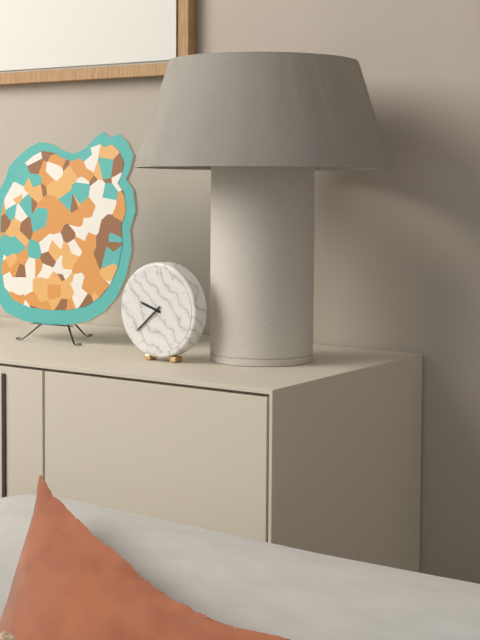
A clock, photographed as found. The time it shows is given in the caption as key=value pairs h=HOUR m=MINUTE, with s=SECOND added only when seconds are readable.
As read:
h=9 m=38
